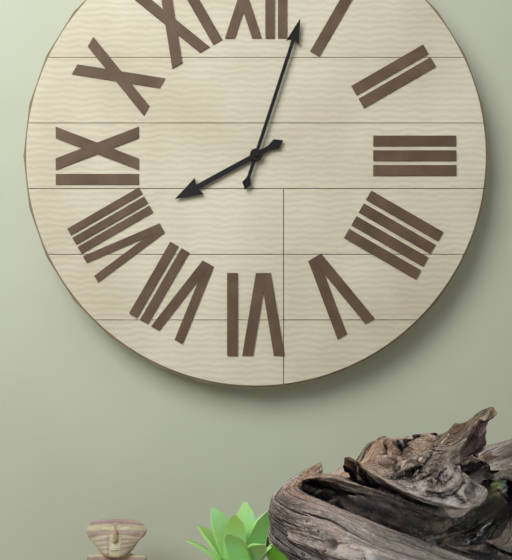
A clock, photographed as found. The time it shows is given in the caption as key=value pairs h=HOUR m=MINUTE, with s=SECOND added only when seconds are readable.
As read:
h=8 m=3
